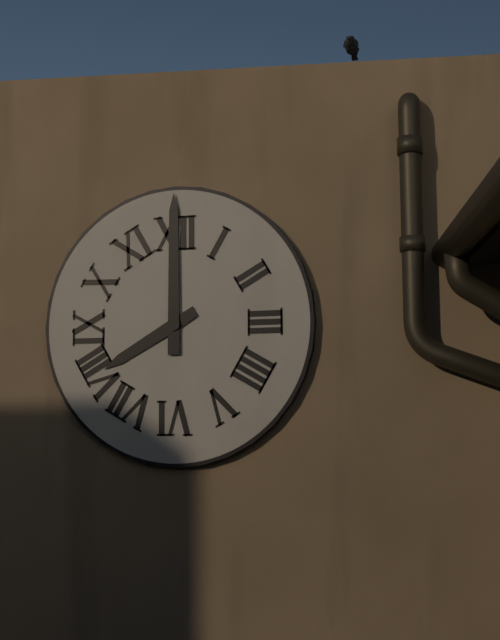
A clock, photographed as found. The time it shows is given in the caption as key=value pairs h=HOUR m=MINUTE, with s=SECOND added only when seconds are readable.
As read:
h=8 m=0
